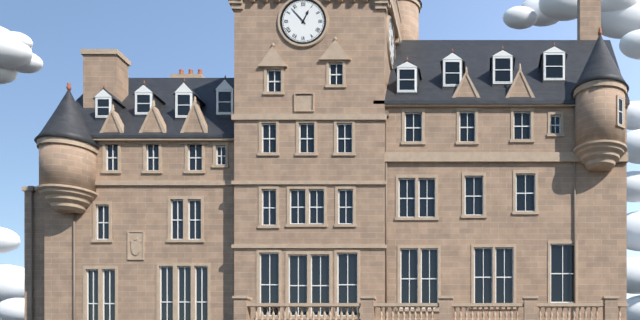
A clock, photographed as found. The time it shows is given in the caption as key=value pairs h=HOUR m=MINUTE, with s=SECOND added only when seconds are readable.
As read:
h=12 m=53
